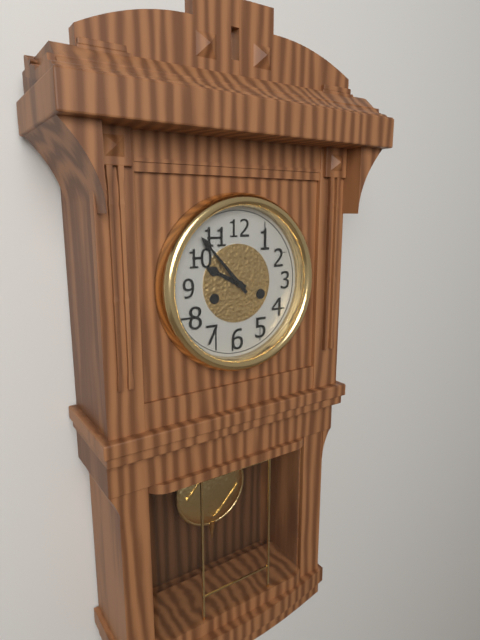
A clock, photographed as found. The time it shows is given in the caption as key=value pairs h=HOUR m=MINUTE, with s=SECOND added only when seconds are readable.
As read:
h=9 m=53
